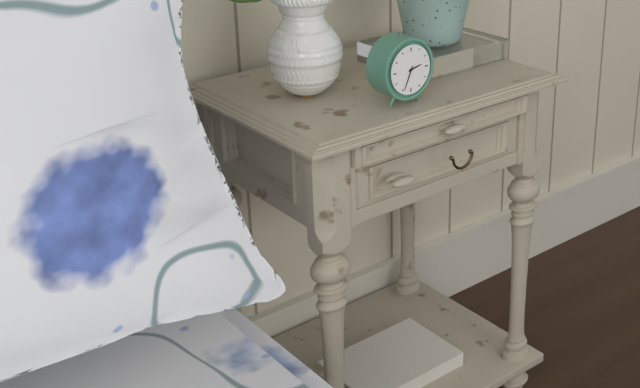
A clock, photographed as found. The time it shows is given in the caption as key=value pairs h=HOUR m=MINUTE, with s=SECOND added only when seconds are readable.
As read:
h=2 m=34
